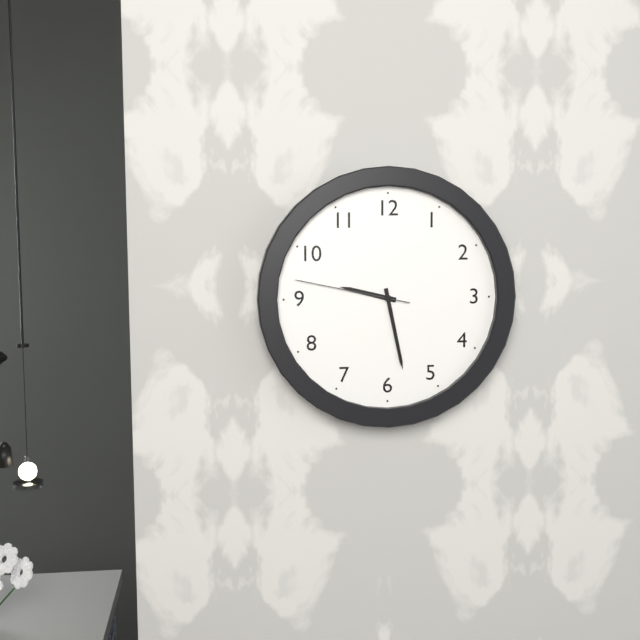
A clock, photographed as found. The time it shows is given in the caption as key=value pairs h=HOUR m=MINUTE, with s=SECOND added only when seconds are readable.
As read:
h=9 m=28 s=47
